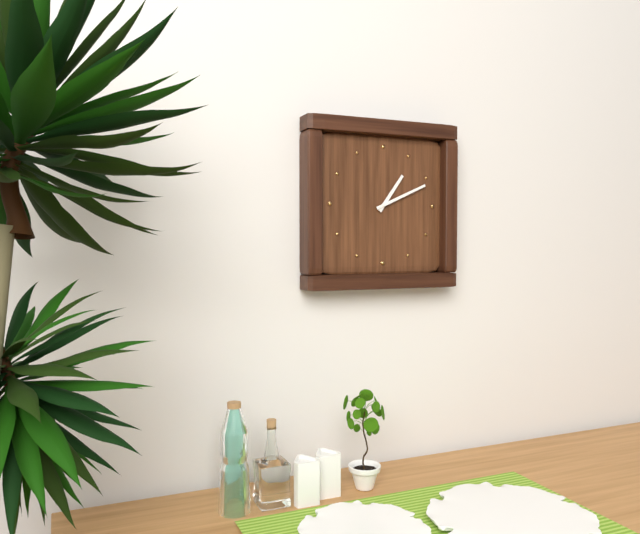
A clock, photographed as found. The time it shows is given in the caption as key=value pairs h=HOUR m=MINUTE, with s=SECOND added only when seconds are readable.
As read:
h=1 m=11
